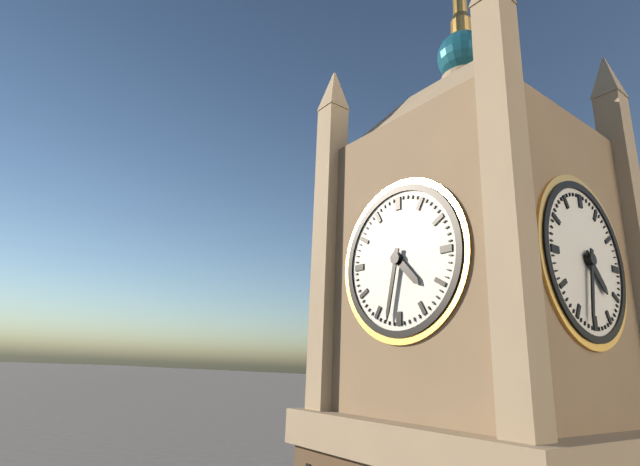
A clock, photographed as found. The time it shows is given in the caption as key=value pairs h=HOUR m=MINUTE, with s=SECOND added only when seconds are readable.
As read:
h=4 m=32
